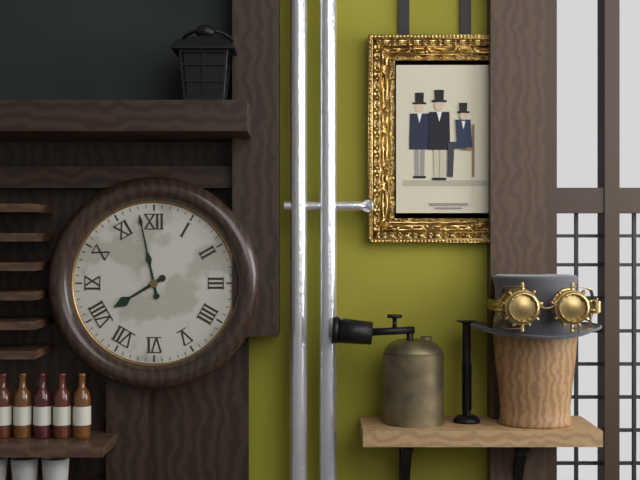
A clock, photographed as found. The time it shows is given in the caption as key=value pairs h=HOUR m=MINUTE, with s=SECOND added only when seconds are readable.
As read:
h=7 m=58
